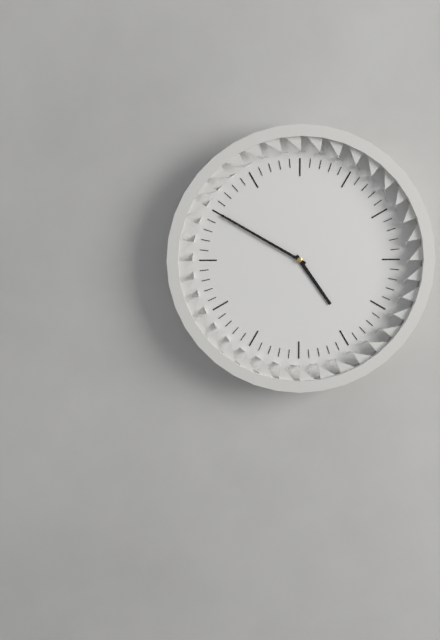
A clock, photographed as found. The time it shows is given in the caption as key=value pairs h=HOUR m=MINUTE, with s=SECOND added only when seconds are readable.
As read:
h=4 m=50
